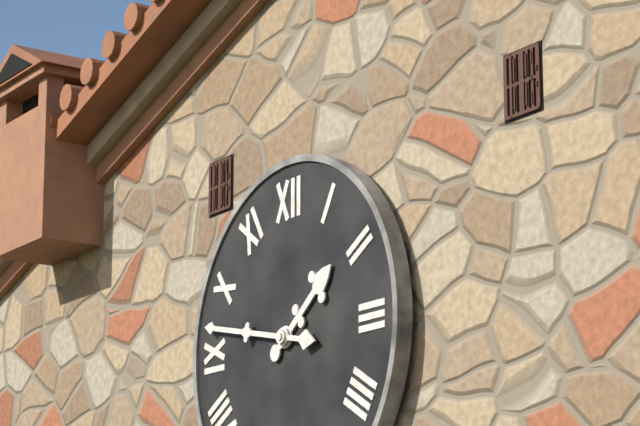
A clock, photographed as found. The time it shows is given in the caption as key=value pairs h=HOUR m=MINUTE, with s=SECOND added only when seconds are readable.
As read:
h=1 m=47
